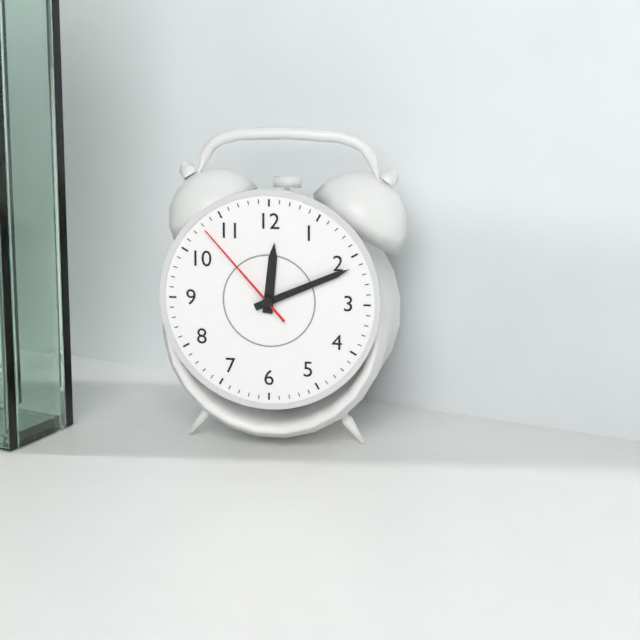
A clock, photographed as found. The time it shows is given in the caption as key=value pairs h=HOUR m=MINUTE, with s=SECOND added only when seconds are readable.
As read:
h=12 m=11 s=53
